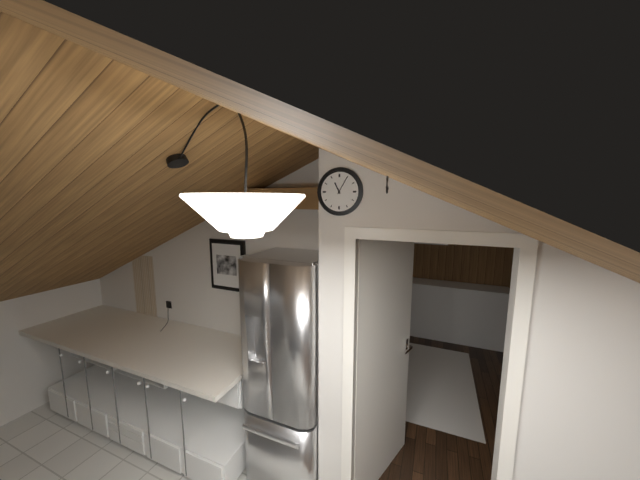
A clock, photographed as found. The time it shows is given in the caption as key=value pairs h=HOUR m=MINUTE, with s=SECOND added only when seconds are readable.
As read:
h=11 m=5
